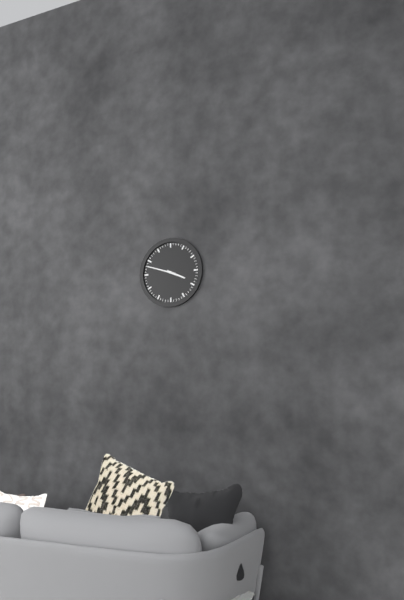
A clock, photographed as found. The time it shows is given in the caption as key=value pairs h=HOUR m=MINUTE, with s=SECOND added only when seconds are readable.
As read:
h=3 m=48
